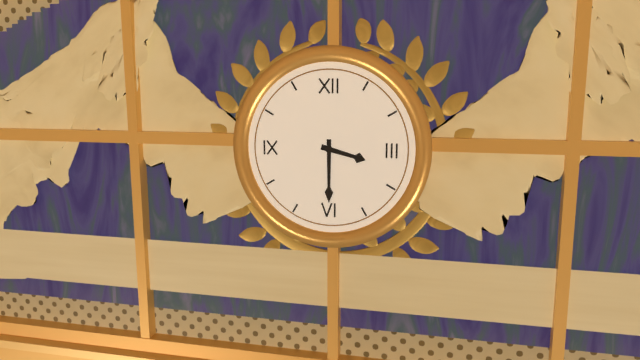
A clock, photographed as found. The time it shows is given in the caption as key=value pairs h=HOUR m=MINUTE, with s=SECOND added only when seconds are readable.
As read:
h=3 m=30
